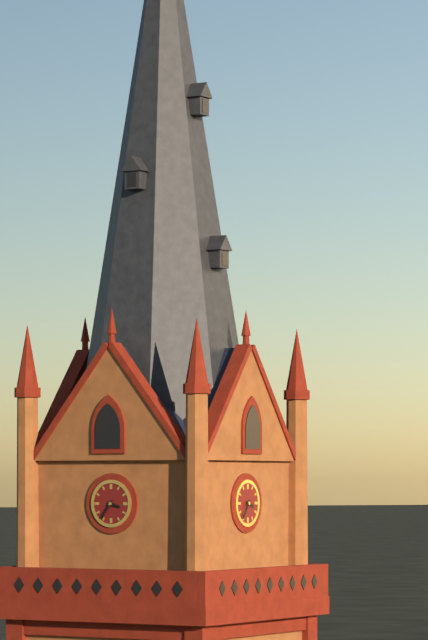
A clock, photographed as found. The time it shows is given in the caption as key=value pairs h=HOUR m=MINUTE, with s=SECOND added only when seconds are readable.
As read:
h=3 m=36
